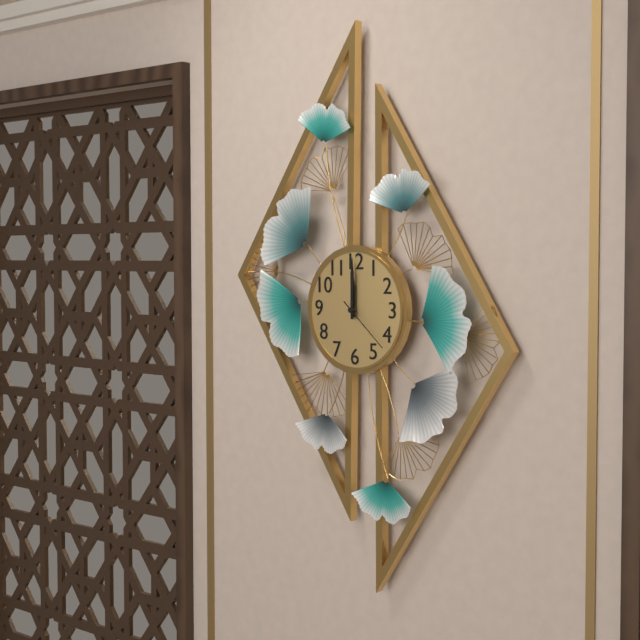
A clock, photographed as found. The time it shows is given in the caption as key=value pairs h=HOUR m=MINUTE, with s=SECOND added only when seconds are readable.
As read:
h=12 m=0 s=22
